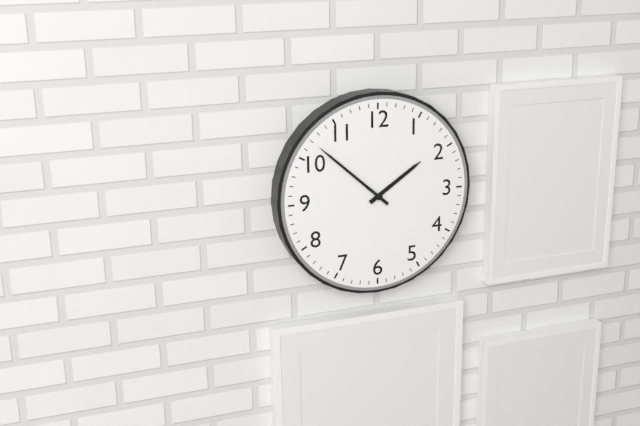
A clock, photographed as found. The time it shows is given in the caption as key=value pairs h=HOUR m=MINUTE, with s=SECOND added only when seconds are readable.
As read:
h=1 m=52
